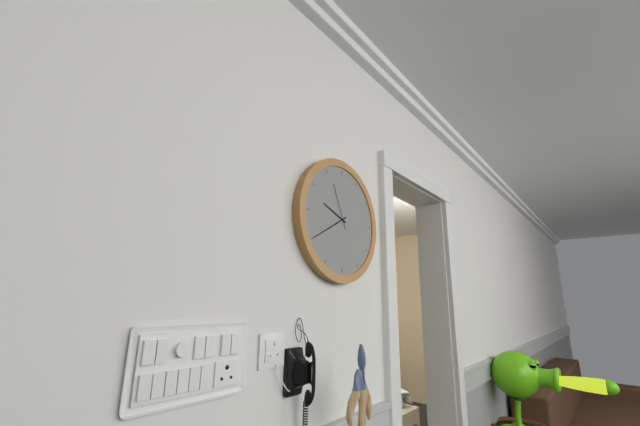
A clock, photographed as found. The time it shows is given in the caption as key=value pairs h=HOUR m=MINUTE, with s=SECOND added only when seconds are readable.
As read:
h=9 m=40
